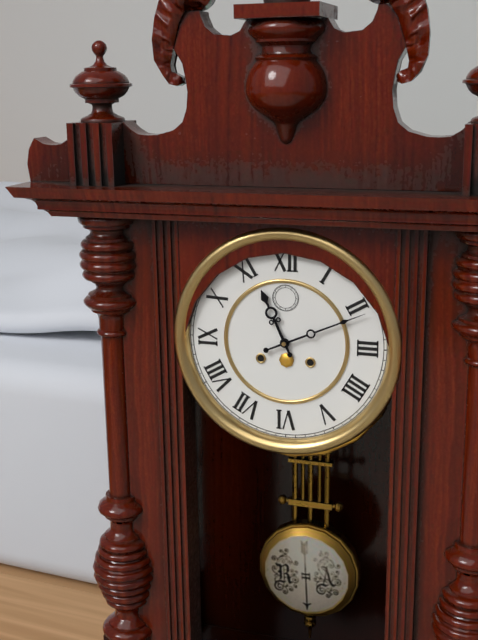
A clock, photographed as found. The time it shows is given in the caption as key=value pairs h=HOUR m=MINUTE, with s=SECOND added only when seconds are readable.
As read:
h=11 m=11
